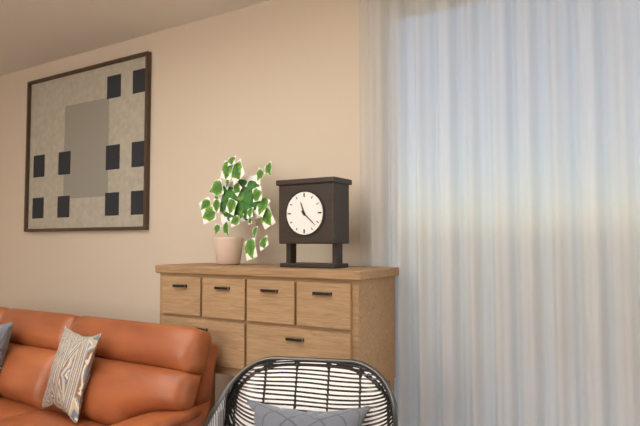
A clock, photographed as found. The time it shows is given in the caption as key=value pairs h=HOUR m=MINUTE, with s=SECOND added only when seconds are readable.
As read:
h=11 m=22
